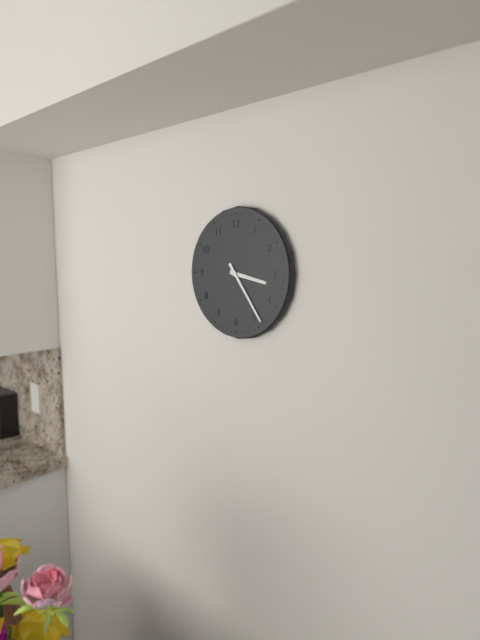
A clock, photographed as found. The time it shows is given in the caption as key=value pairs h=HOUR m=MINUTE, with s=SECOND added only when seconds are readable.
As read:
h=3 m=24
